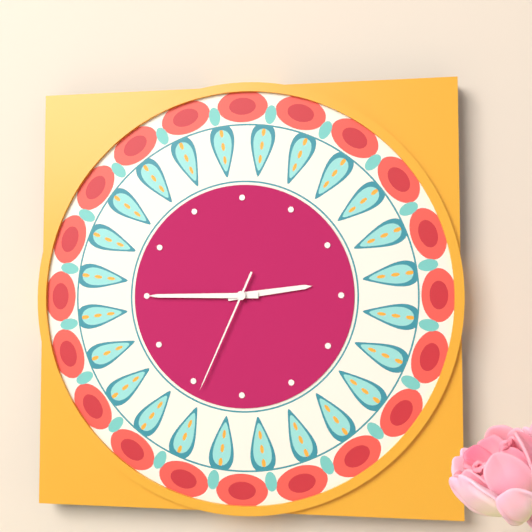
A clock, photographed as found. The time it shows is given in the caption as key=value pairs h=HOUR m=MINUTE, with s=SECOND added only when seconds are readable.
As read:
h=2 m=45 s=34
